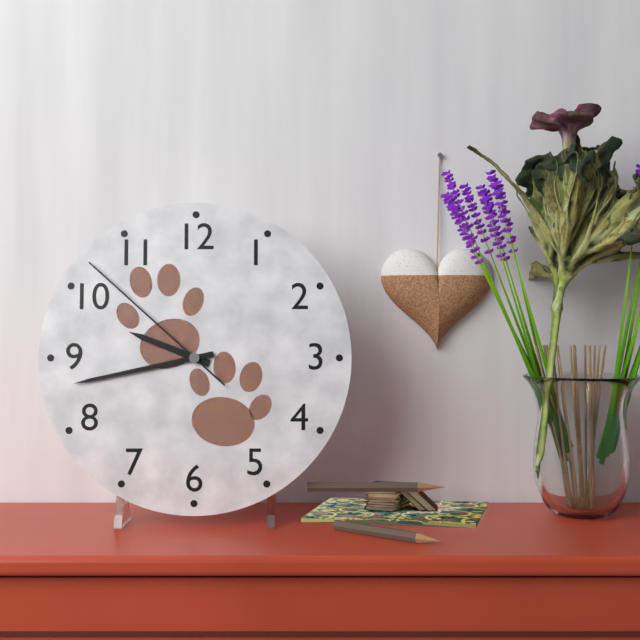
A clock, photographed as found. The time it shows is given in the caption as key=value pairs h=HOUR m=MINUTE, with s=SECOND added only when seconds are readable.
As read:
h=9 m=43 s=52
